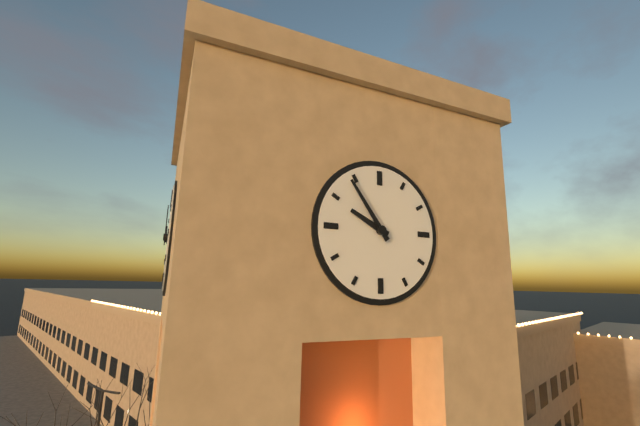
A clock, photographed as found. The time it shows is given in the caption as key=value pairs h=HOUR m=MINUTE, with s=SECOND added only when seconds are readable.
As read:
h=9 m=54
